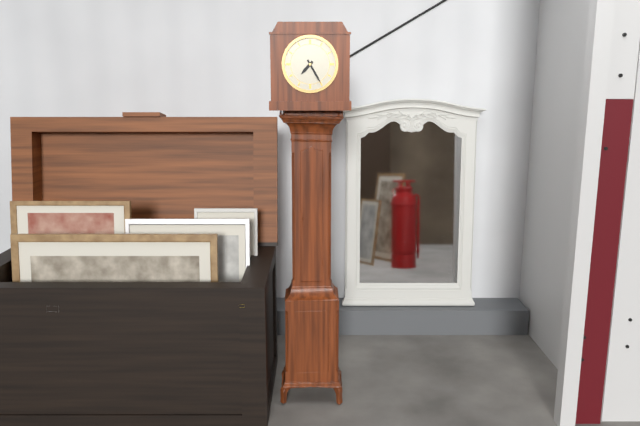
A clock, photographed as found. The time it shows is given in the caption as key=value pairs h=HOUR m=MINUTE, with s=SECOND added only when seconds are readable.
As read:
h=7 m=25
